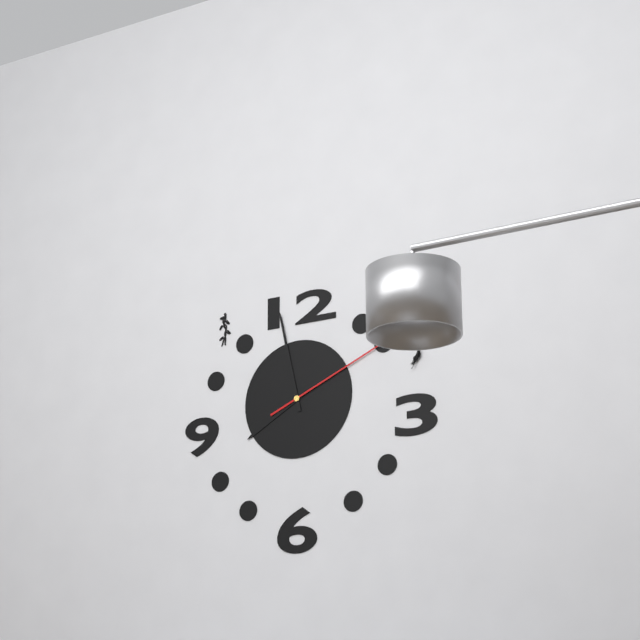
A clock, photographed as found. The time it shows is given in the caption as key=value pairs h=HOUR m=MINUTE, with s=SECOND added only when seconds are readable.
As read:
h=7 m=58 s=11
